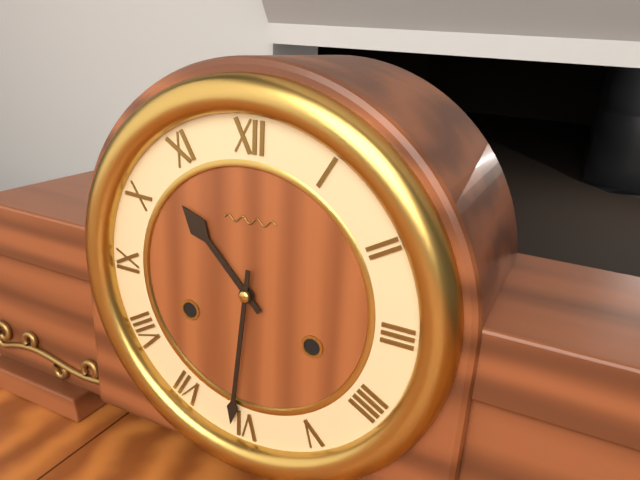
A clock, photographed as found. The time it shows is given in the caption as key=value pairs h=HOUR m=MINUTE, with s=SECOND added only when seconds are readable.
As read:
h=10 m=31
